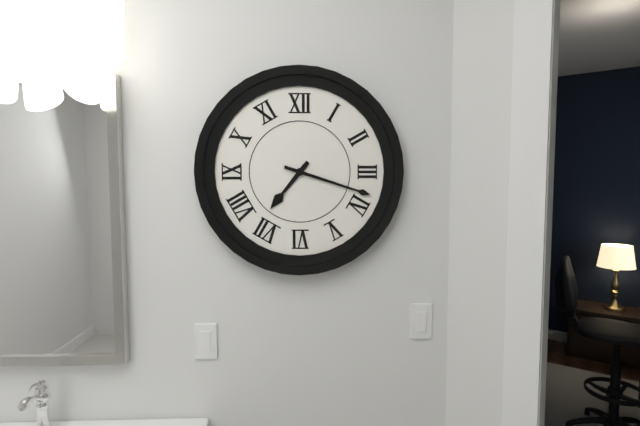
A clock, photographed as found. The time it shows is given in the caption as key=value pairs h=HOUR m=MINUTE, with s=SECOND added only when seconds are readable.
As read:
h=7 m=18
